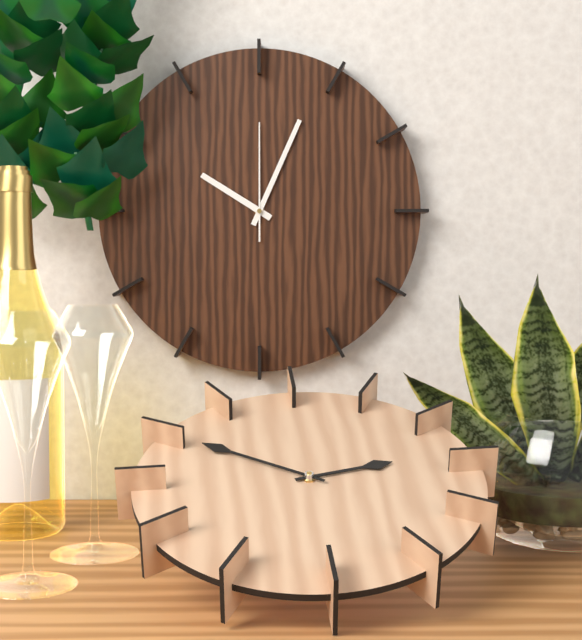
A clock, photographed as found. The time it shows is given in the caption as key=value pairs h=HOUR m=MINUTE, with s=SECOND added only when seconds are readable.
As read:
h=10 m=4 s=0
